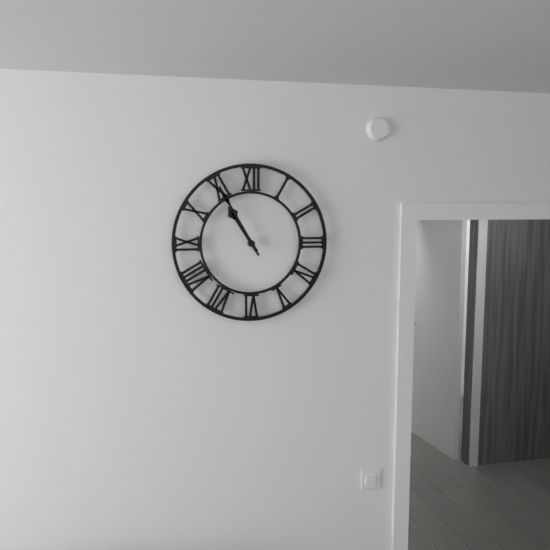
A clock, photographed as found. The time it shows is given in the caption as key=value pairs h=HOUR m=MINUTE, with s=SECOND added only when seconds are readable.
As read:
h=10 m=55
